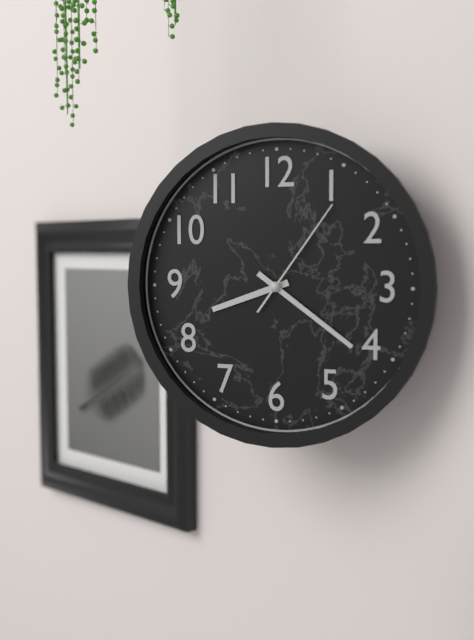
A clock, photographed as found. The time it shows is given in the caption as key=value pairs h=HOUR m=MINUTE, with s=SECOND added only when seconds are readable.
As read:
h=8 m=21 s=6
